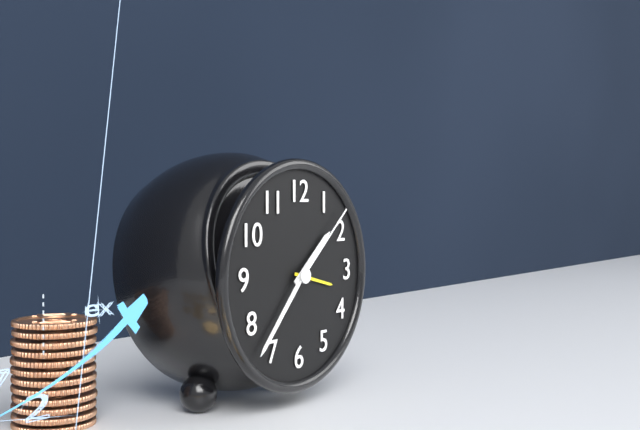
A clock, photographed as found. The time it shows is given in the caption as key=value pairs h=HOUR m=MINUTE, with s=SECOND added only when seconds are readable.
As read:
h=1 m=37 s=8
